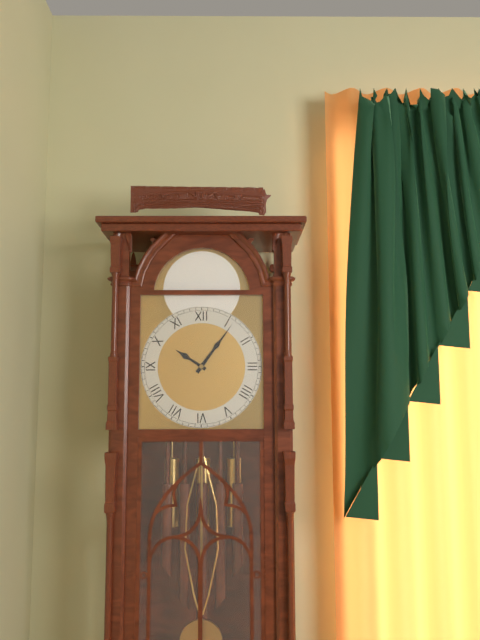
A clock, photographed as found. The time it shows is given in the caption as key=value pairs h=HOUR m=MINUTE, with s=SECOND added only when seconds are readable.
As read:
h=10 m=6
